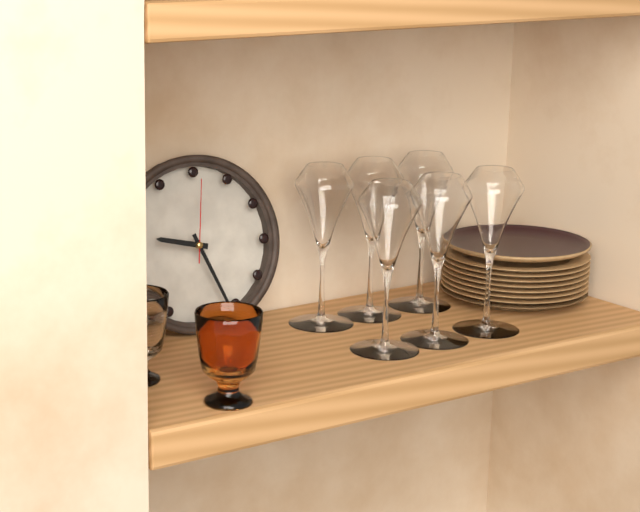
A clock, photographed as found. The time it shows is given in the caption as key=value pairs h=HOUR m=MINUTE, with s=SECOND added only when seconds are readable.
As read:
h=9 m=26 s=1
